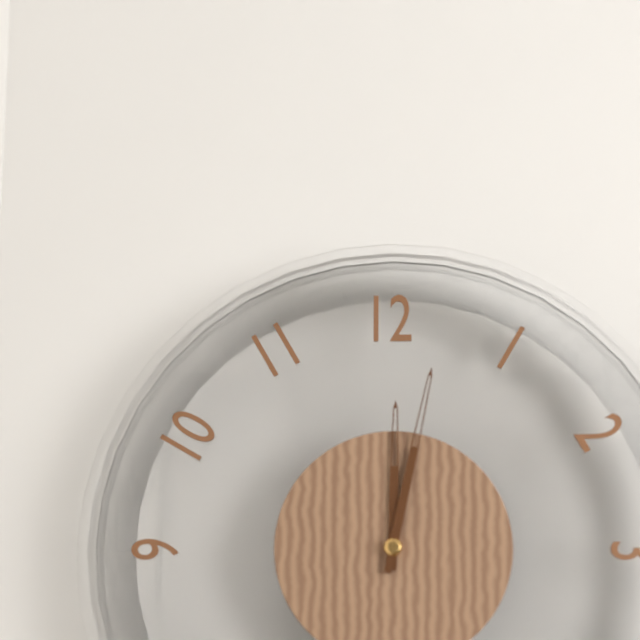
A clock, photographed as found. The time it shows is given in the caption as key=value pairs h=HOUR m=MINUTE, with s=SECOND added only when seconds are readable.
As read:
h=12 m=2
